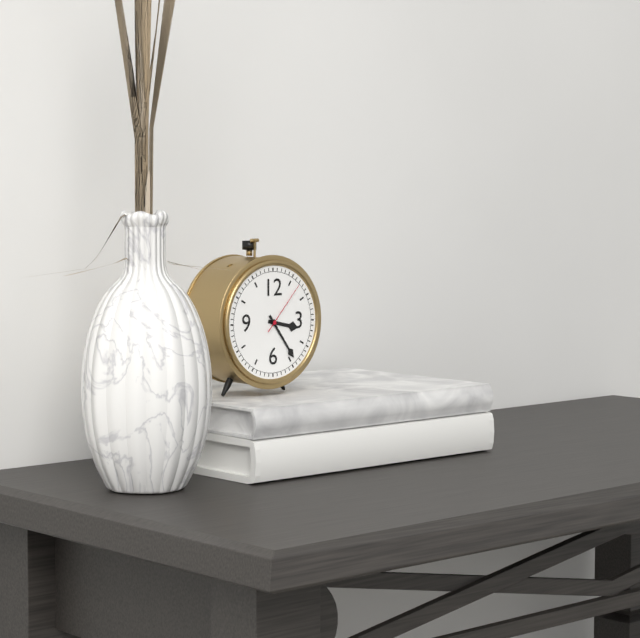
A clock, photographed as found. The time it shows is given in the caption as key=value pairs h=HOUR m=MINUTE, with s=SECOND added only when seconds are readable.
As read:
h=3 m=24 s=7
